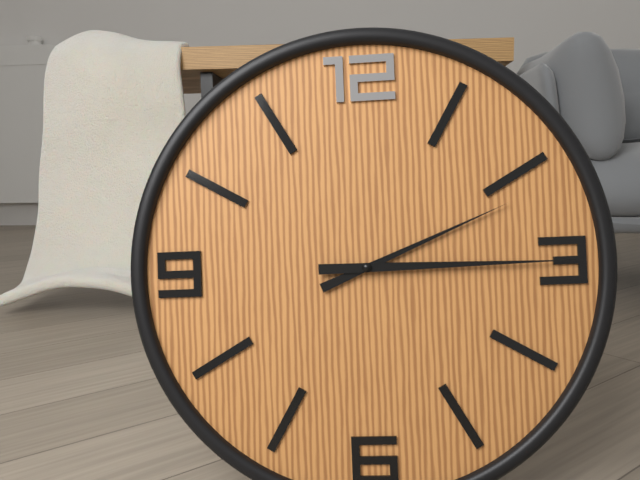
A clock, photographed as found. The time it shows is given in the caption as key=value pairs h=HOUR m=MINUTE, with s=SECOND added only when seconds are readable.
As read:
h=2 m=15
